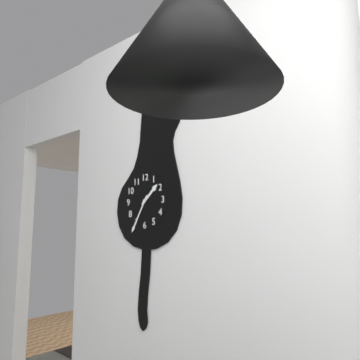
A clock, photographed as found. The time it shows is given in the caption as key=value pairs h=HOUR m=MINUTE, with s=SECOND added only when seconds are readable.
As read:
h=1 m=35
